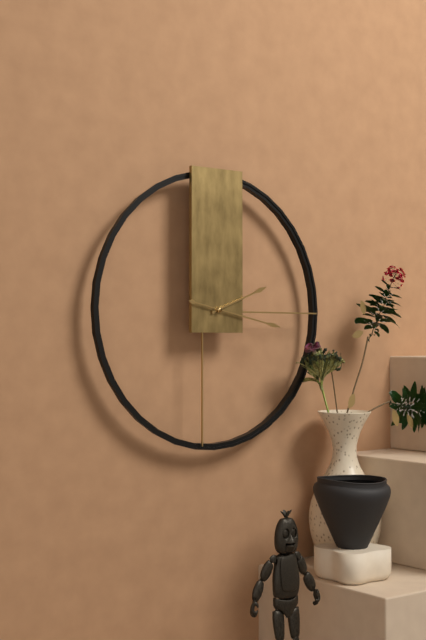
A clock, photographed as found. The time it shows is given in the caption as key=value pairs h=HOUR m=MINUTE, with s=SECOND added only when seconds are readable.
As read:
h=2 m=17
